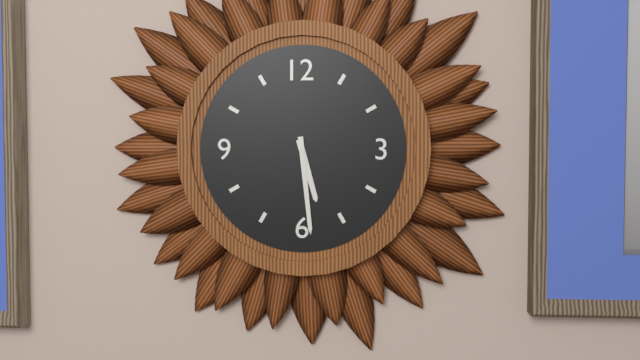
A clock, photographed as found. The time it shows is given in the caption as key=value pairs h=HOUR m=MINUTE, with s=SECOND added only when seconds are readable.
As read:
h=5 m=29
